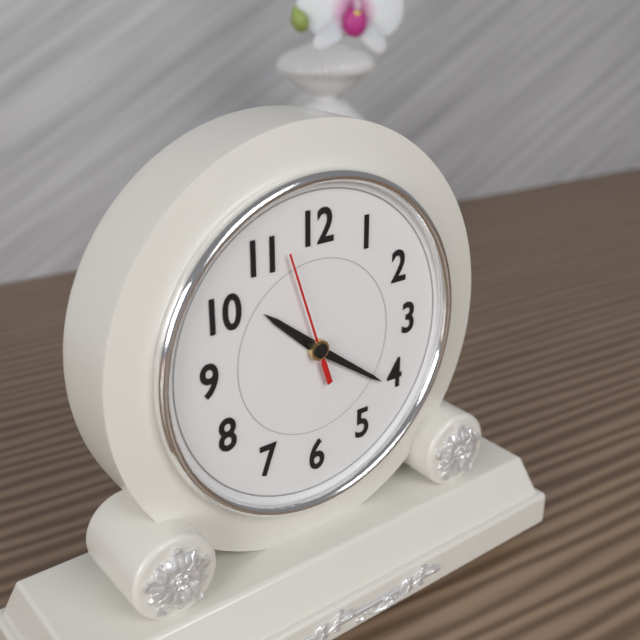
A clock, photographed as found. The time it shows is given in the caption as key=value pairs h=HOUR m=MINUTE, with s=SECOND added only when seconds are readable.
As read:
h=10 m=21 s=57
